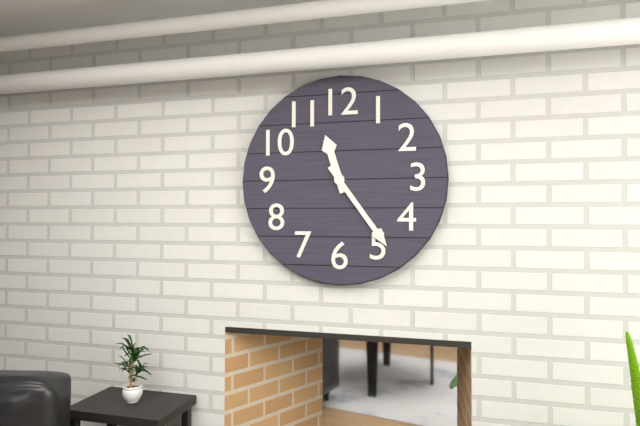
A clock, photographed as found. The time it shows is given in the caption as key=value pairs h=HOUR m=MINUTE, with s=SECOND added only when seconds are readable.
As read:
h=11 m=24
